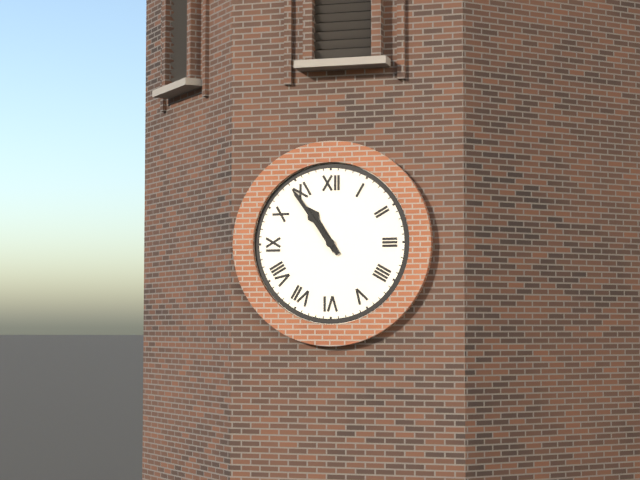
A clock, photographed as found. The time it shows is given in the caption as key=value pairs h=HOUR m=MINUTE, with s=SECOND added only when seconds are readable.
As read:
h=10 m=54
